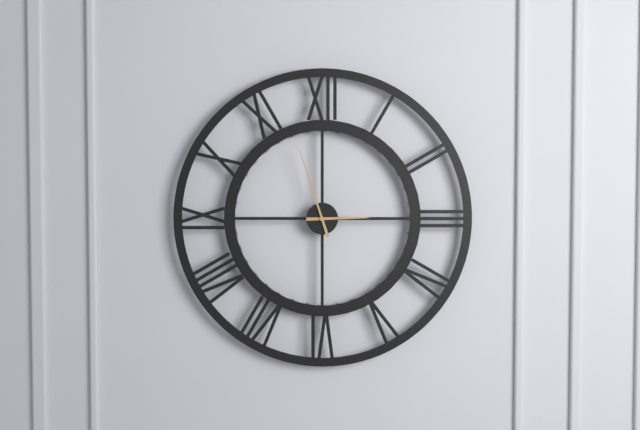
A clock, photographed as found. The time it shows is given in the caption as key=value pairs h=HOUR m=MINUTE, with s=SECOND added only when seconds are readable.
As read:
h=2 m=57
